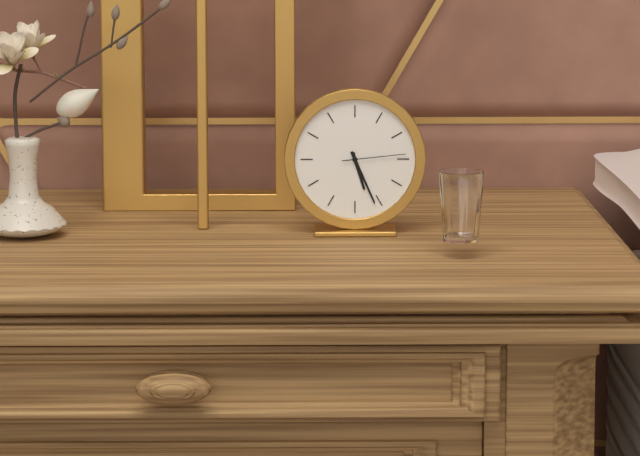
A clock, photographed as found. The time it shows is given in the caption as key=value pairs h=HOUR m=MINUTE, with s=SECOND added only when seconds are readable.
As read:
h=5 m=26 s=14
